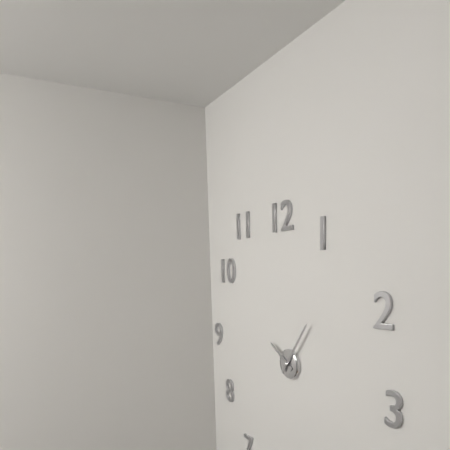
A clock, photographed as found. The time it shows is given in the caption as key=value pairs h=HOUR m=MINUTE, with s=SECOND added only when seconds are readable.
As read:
h=10 m=6
